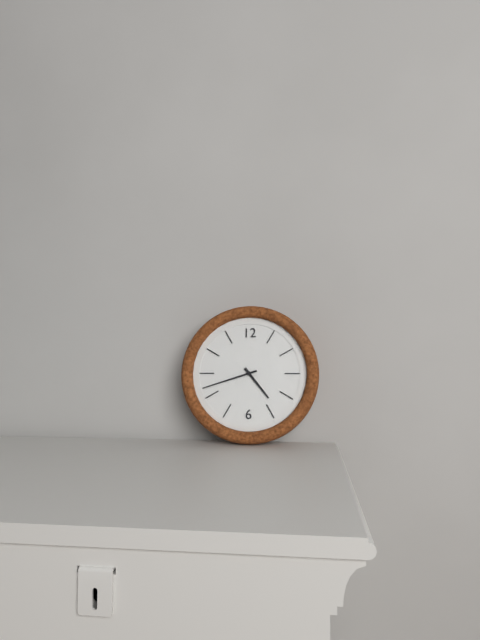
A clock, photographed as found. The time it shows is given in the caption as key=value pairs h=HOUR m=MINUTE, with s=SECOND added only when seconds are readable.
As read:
h=4 m=42
